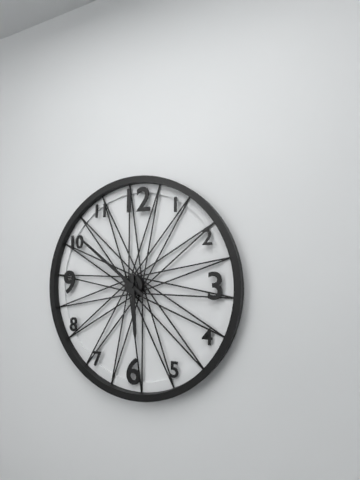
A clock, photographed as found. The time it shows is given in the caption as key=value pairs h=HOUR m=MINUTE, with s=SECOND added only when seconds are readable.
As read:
h=5 m=51
